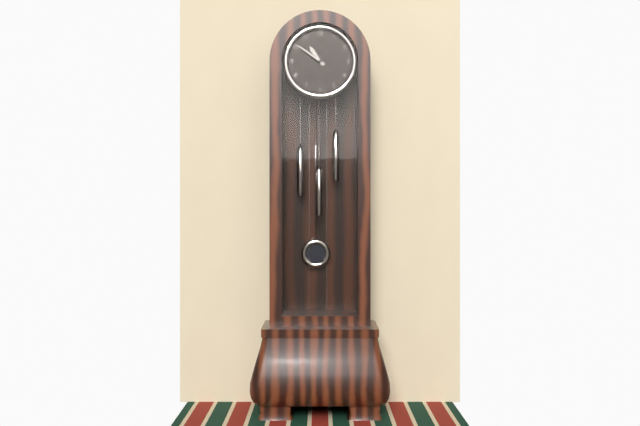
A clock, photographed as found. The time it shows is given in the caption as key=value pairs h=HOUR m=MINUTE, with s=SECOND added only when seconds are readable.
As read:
h=10 m=51
